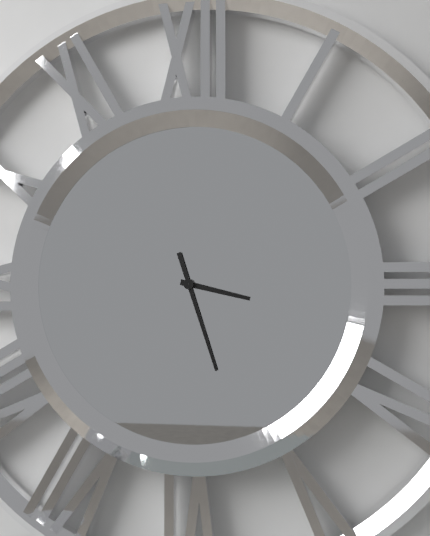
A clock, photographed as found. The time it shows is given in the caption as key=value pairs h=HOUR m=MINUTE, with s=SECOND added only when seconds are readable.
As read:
h=3 m=27
